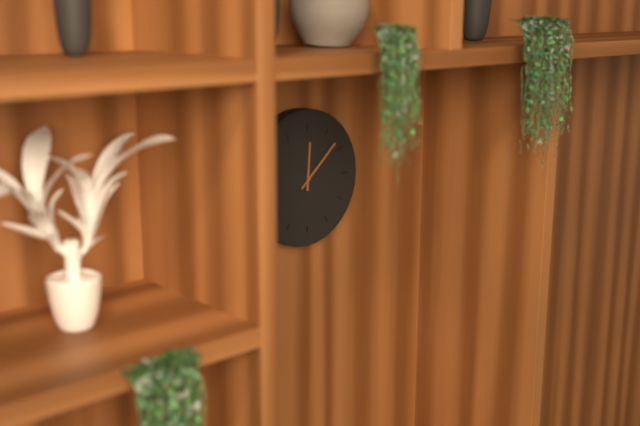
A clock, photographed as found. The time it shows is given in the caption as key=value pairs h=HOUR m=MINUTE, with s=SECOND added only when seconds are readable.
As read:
h=12 m=8
